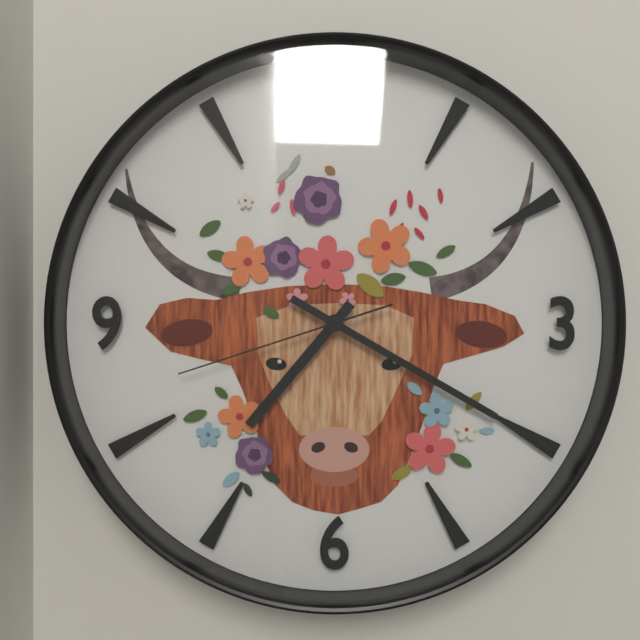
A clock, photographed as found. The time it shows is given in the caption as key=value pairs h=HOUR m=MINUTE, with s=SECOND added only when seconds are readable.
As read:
h=7 m=20 s=42
